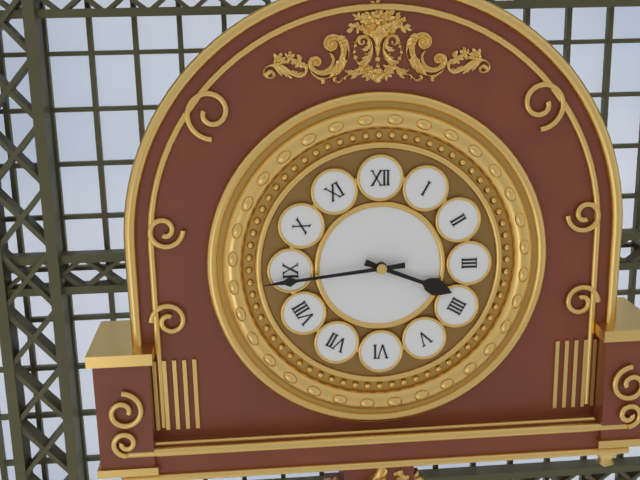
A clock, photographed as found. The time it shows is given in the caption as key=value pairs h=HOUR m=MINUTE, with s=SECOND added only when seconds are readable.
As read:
h=3 m=44
